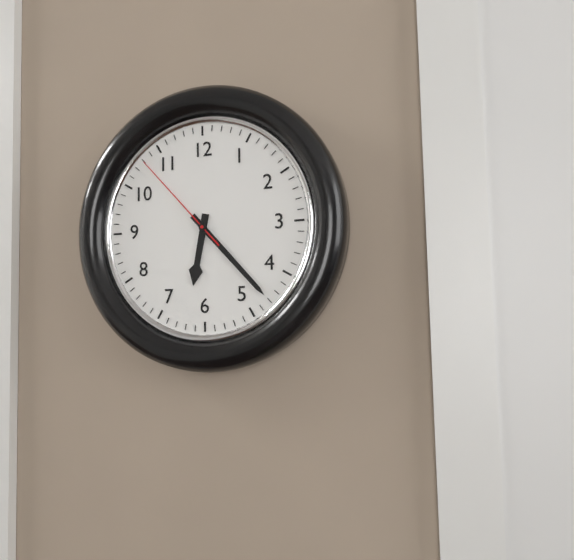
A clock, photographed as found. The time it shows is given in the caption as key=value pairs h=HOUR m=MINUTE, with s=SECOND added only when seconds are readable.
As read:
h=6 m=23 s=53
